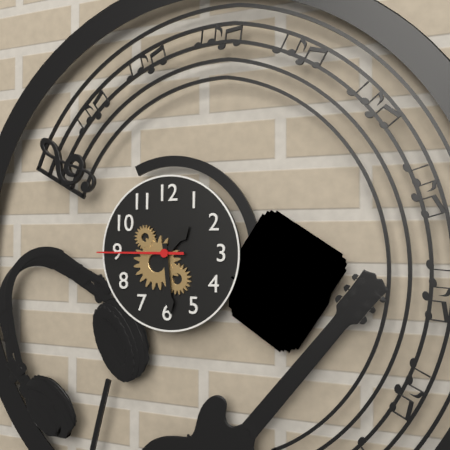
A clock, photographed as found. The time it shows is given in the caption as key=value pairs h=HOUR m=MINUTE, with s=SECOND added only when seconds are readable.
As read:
h=1 m=29 s=45
